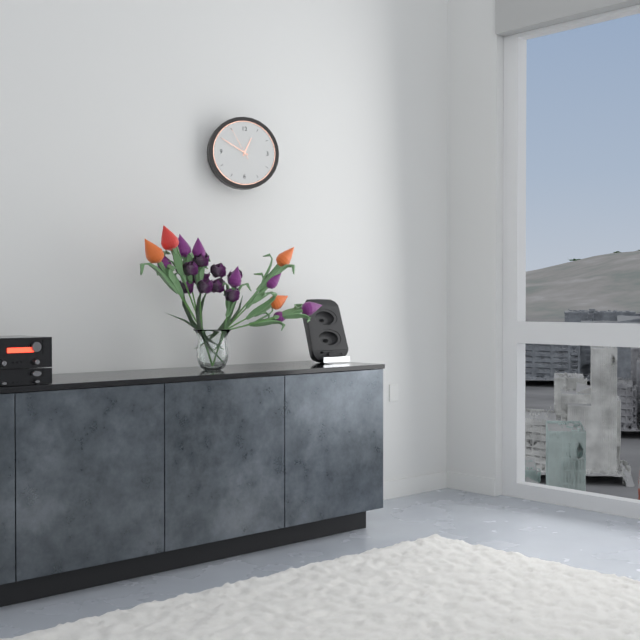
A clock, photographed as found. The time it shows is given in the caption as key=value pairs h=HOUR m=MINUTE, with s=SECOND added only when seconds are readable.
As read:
h=12 m=50
